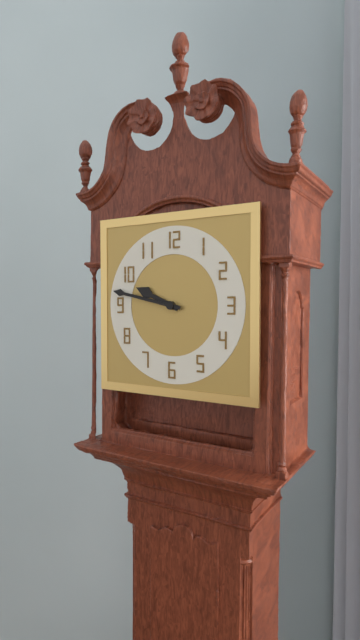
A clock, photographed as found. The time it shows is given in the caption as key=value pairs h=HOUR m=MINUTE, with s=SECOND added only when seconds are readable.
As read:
h=9 m=47
